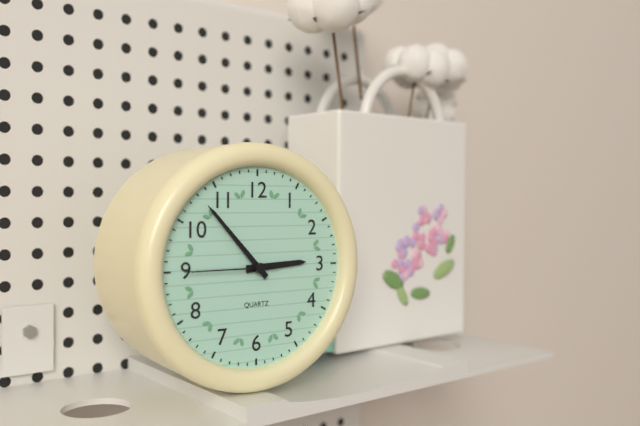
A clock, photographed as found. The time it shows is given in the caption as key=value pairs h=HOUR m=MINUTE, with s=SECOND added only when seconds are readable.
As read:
h=2 m=53 s=45
